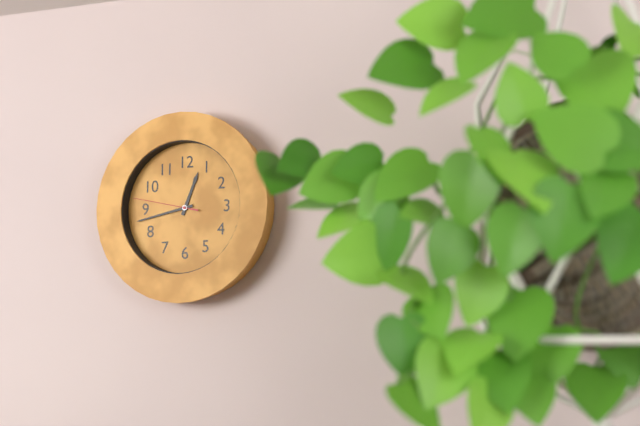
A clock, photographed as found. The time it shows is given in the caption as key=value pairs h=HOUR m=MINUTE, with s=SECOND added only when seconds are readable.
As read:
h=12 m=43 s=47
